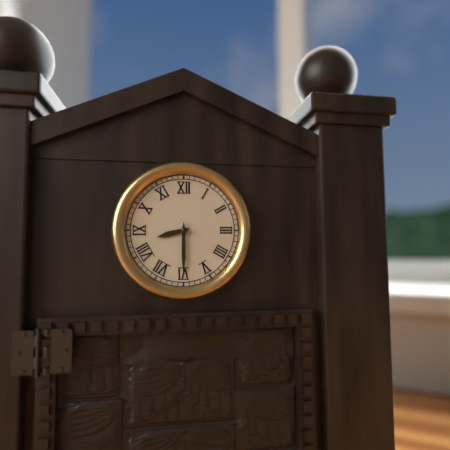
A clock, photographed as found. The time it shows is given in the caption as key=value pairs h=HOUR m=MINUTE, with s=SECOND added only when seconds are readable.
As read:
h=8 m=30
